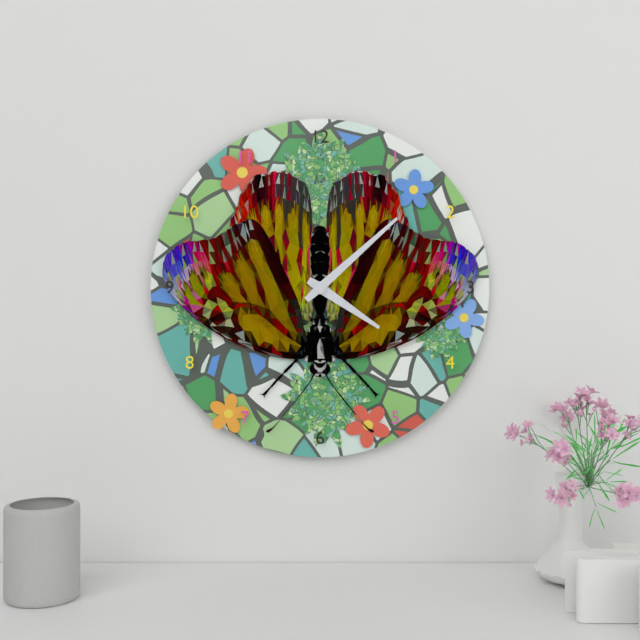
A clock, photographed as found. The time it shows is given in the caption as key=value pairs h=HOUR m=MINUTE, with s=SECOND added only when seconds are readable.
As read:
h=4 m=8
